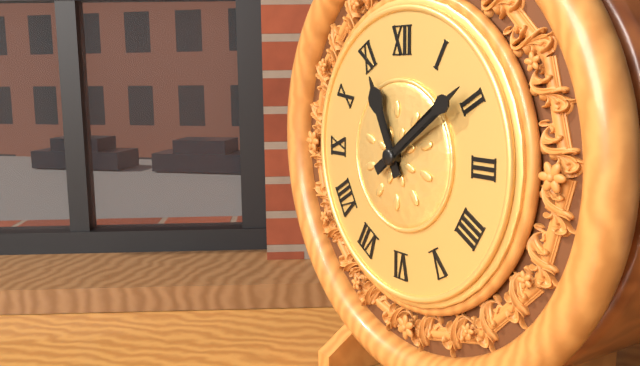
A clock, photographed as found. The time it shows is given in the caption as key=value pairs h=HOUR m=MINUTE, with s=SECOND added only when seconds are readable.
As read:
h=11 m=9
